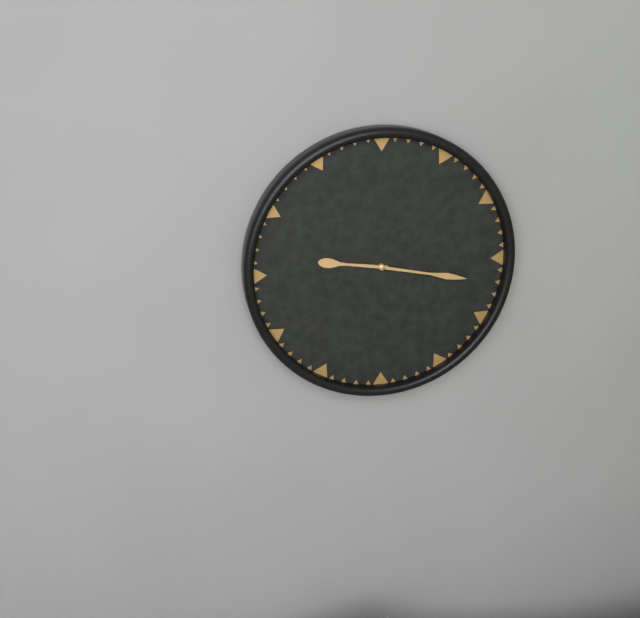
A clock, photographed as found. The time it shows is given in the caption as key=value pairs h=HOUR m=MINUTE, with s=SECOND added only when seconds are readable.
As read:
h=9 m=17
